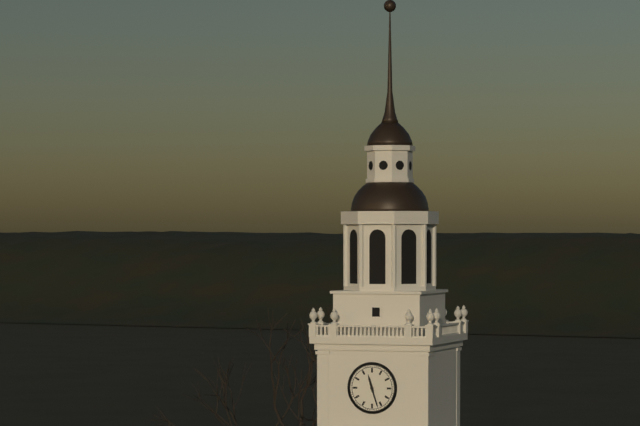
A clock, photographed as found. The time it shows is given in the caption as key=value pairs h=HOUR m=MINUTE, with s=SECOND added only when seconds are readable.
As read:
h=11 m=27
